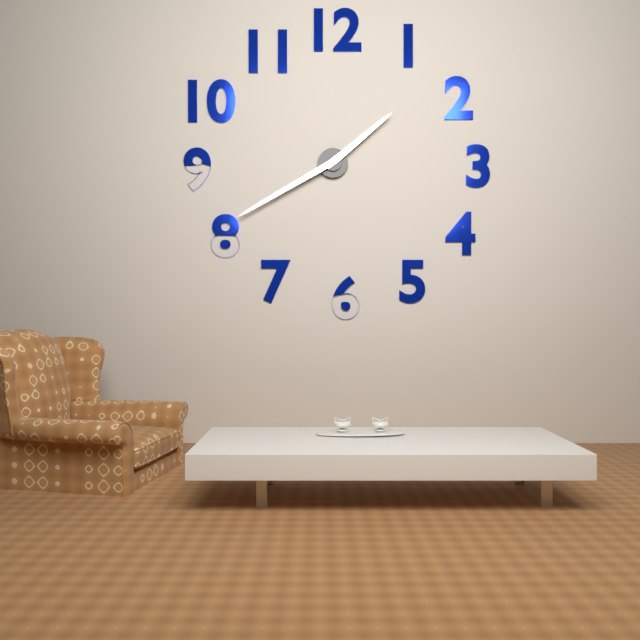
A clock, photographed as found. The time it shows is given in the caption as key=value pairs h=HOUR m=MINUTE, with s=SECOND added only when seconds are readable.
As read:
h=1 m=40
